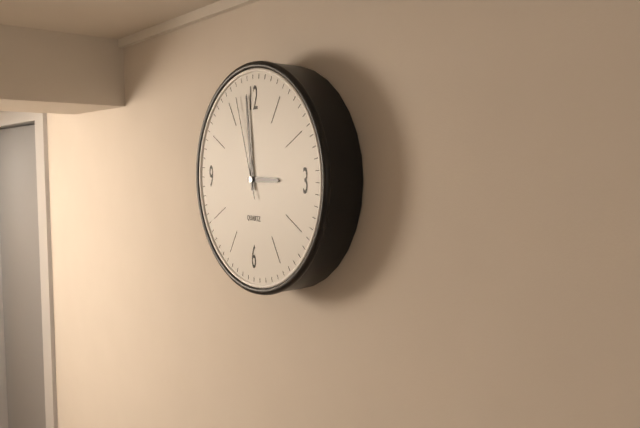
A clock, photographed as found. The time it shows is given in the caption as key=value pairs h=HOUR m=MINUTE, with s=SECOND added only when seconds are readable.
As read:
h=2 m=59 s=57
